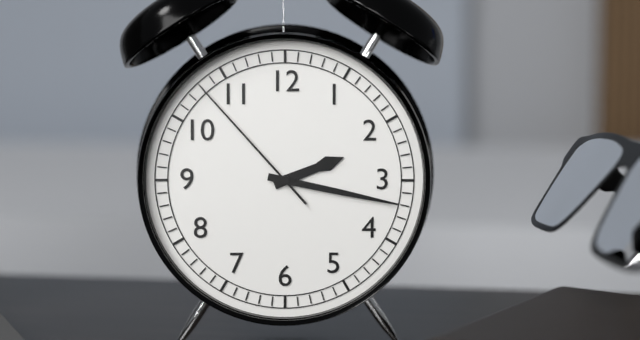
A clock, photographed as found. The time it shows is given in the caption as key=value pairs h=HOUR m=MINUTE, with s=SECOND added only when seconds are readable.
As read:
h=2 m=17 s=53
